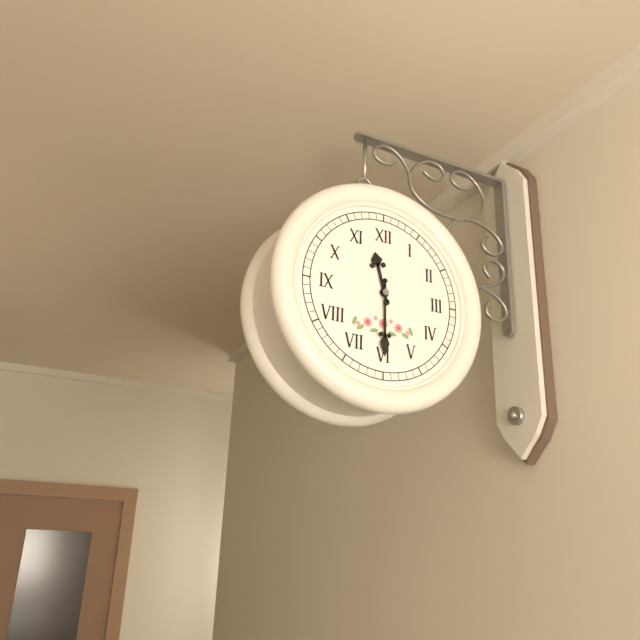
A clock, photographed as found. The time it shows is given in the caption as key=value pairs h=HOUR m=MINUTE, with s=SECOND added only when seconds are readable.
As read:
h=11 m=30
